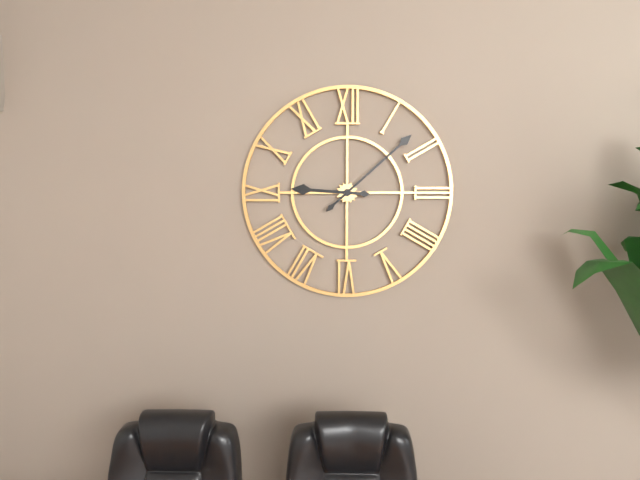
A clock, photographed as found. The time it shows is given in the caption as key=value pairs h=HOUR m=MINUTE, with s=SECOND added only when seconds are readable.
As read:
h=9 m=8
